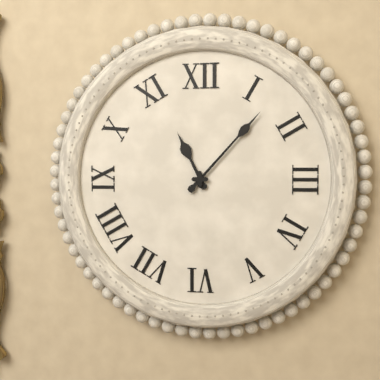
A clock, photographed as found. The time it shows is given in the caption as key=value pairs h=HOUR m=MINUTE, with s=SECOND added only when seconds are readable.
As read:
h=11 m=7
